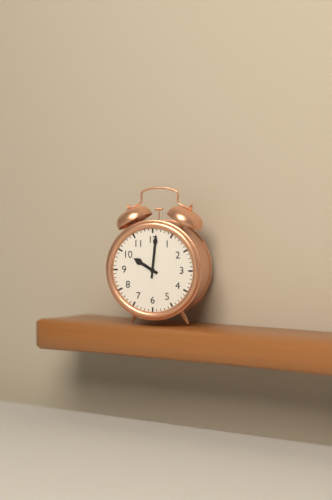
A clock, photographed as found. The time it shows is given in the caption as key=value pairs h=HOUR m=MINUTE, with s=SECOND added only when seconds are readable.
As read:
h=10 m=1
